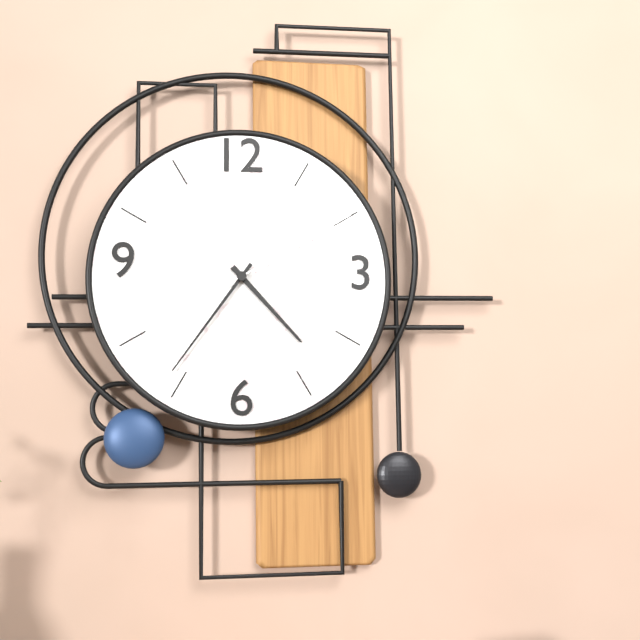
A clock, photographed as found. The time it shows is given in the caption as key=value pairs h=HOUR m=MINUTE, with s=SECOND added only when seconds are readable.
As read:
h=4 m=36 s=10
